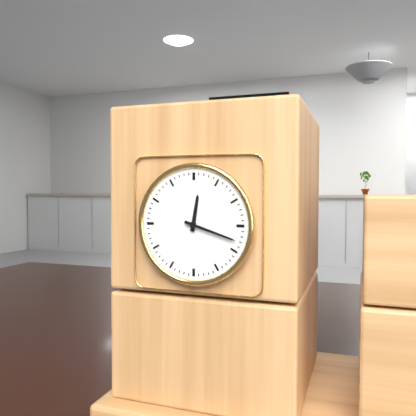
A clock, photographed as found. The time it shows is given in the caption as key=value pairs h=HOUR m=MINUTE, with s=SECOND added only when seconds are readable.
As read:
h=12 m=18
